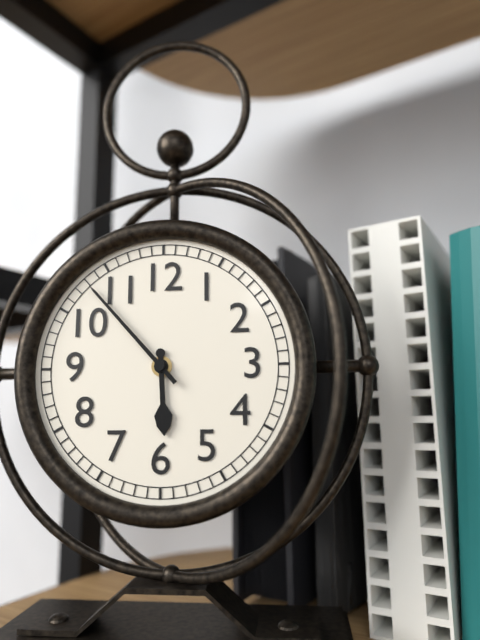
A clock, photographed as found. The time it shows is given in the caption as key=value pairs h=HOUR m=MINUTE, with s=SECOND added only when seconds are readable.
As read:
h=5 m=53
